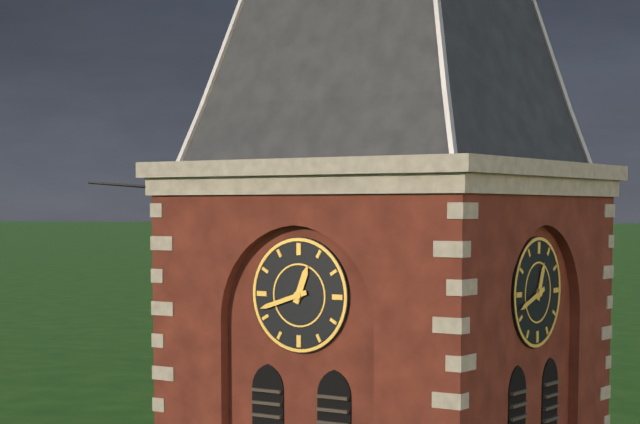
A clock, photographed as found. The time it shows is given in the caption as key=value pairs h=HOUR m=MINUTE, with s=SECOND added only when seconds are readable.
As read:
h=12 m=42
